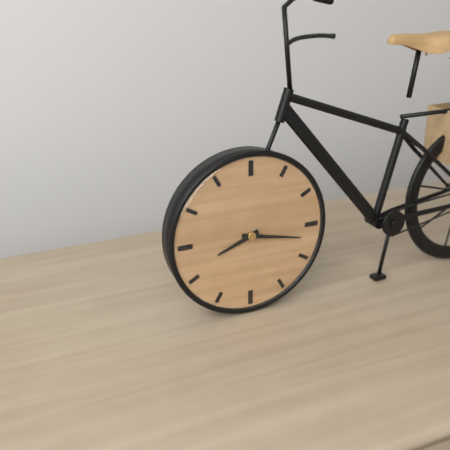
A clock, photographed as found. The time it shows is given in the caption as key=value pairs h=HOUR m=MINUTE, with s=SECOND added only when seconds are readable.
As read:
h=8 m=17
